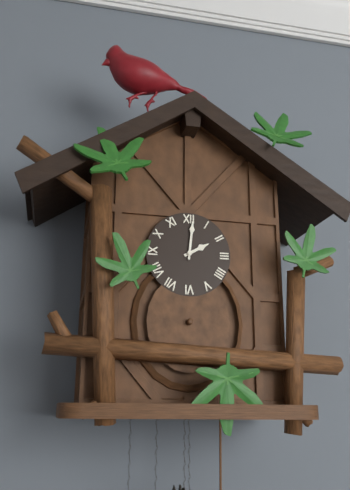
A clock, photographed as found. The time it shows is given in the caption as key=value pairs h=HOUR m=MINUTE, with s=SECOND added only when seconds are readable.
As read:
h=2 m=1
